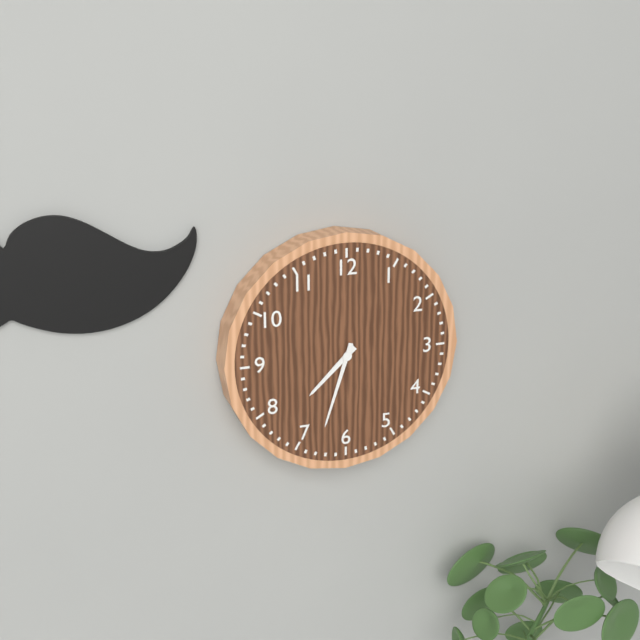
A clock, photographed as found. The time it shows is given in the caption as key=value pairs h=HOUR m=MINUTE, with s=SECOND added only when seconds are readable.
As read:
h=7 m=33
